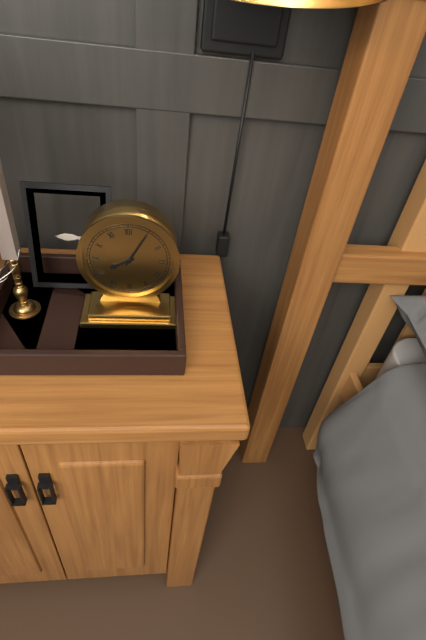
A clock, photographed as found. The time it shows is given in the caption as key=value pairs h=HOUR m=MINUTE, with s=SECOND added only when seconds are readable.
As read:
h=8 m=5
